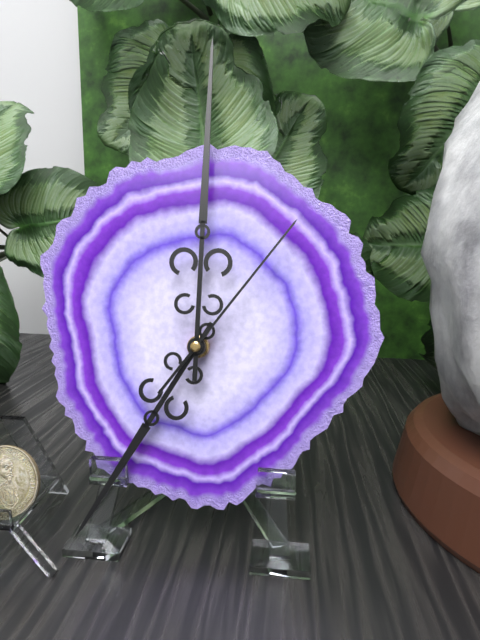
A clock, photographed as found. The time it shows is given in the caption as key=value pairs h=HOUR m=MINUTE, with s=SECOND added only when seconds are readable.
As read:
h=7 m=0 s=6
